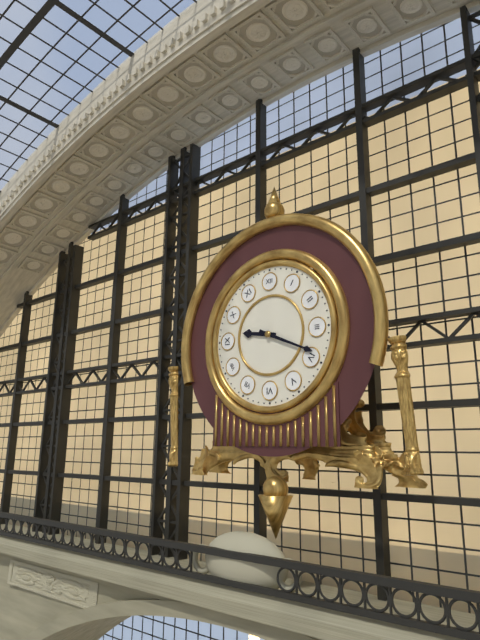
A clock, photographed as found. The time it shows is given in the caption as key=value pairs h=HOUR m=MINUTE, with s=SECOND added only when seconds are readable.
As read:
h=9 m=19
